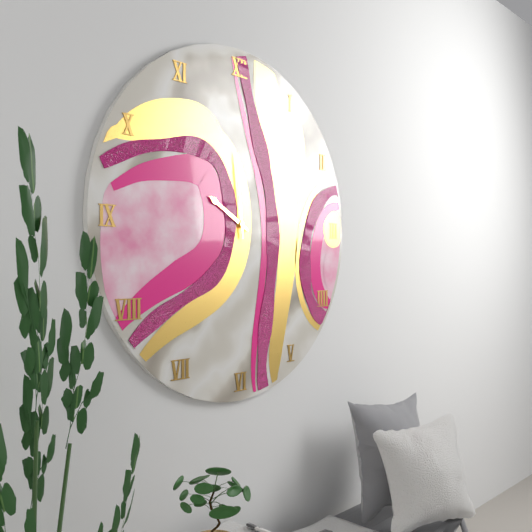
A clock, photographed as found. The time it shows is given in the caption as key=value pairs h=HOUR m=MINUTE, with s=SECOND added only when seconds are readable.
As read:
h=9 m=59
